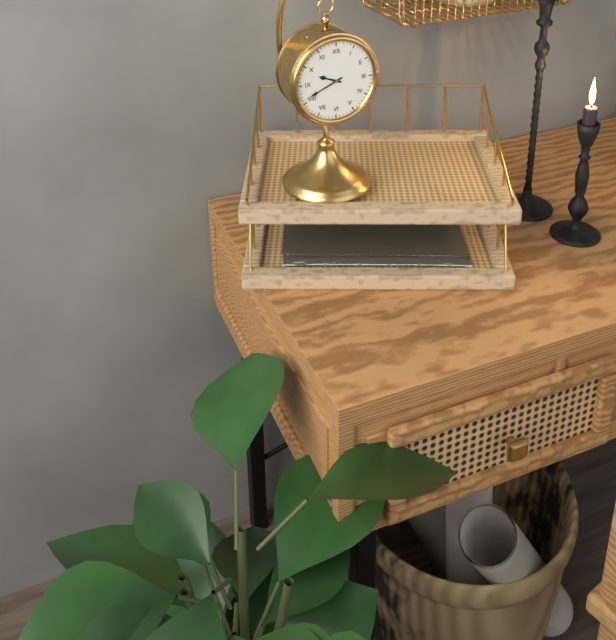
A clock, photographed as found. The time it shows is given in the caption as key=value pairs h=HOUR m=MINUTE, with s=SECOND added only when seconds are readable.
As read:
h=9 m=41
